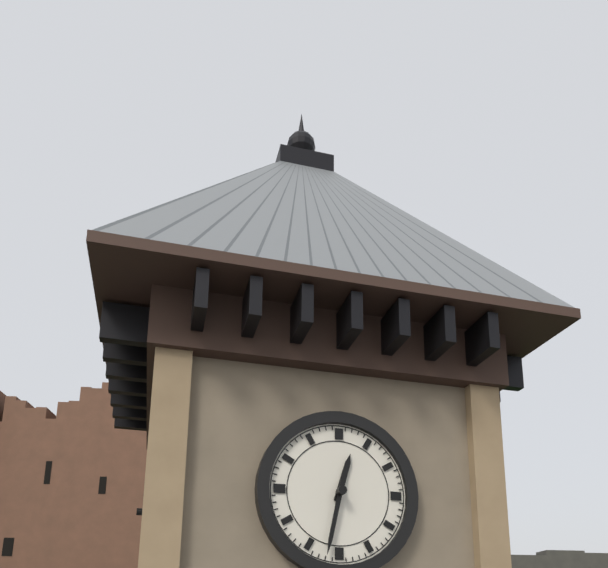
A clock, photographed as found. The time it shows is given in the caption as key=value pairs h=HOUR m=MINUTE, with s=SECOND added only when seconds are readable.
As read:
h=12 m=32
